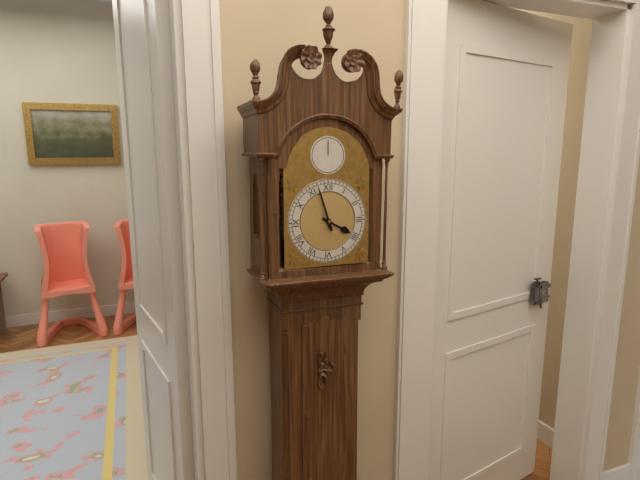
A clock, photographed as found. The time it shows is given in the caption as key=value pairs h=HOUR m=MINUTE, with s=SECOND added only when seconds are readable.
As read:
h=3 m=57
